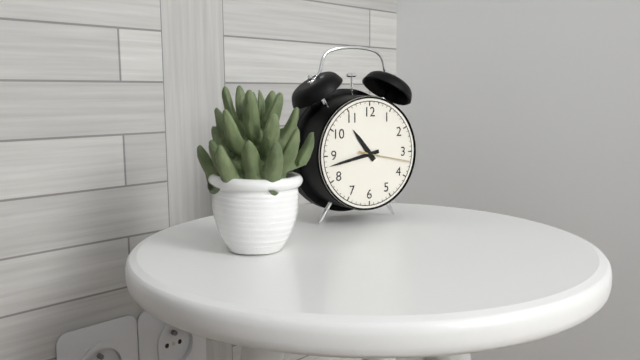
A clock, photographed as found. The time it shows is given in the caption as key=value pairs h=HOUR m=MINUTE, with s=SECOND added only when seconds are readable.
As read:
h=10 m=43 s=17
